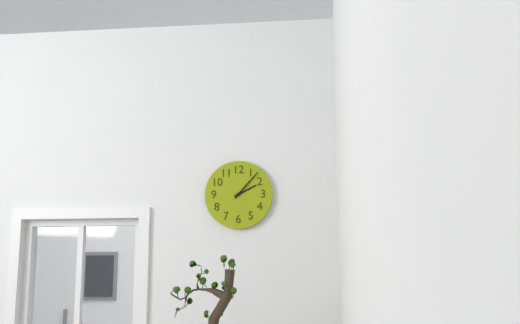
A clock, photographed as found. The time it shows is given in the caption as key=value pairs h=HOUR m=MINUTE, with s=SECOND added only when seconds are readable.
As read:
h=2 m=7
